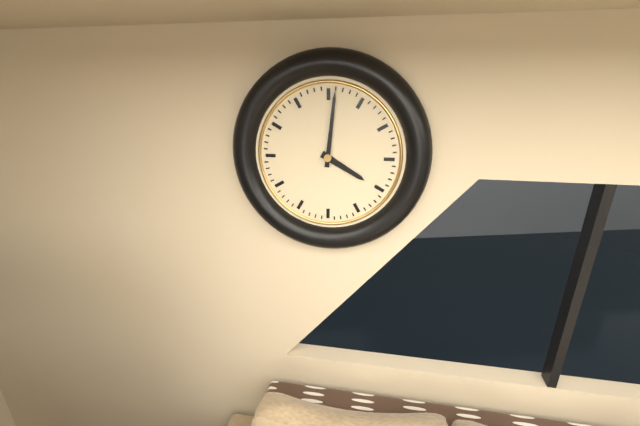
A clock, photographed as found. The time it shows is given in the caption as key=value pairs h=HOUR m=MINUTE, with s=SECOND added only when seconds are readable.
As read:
h=4 m=1
